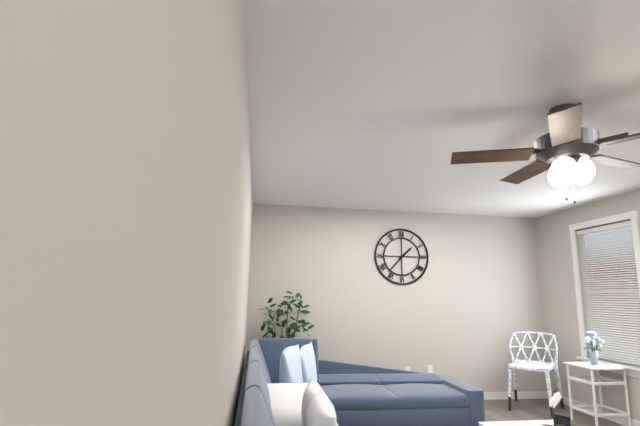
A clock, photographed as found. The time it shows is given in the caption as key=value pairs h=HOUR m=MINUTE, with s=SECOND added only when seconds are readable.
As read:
h=1 m=37
